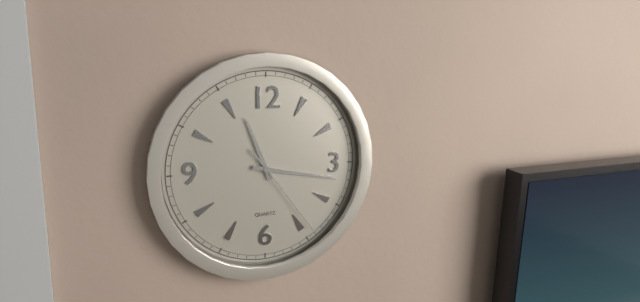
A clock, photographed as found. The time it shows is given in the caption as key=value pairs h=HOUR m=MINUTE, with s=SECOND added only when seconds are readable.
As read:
h=11 m=17 s=24
